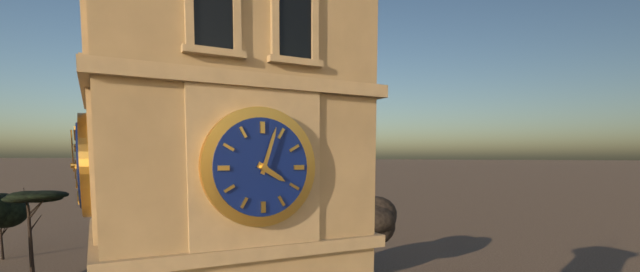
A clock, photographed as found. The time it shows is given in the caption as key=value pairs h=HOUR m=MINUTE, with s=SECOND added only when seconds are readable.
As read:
h=4 m=3
